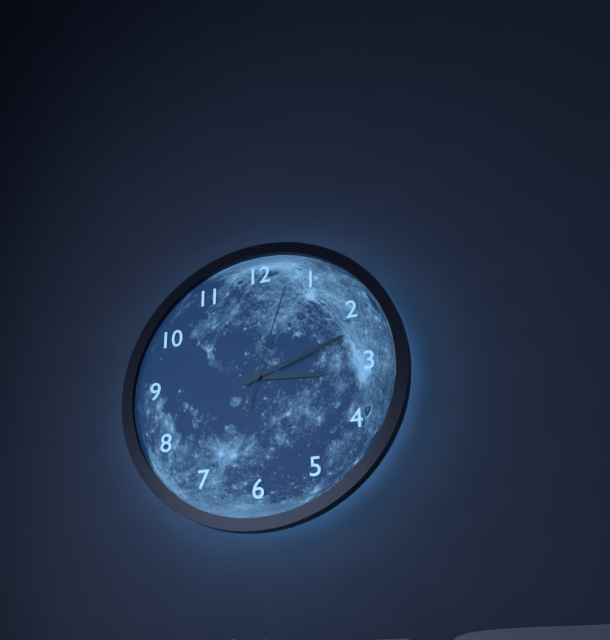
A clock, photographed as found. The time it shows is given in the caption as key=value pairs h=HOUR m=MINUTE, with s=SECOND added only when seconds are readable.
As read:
h=3 m=12 s=3
